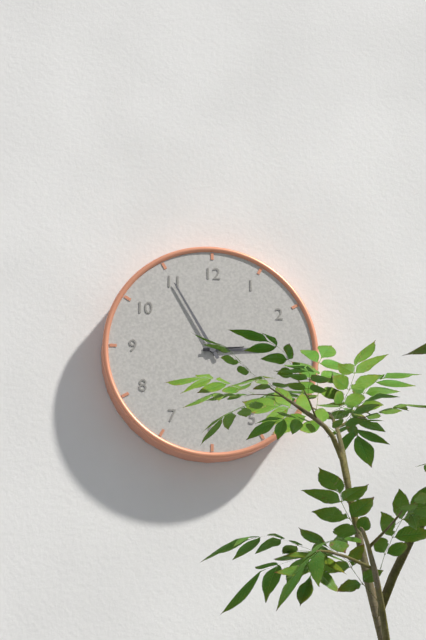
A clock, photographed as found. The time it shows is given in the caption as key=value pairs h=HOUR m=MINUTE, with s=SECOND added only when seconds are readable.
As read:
h=2 m=55
